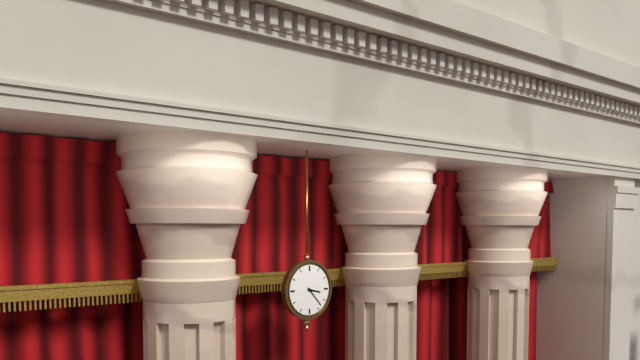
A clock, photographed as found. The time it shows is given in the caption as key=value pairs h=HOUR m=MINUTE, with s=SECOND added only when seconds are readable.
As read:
h=3 m=23
